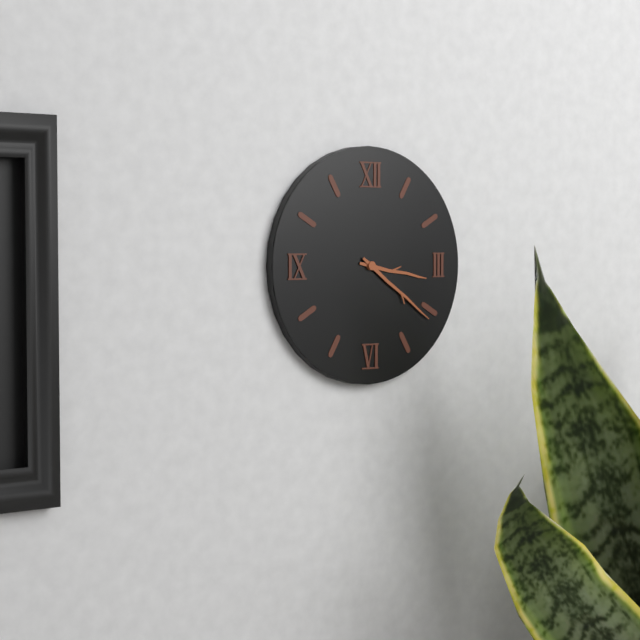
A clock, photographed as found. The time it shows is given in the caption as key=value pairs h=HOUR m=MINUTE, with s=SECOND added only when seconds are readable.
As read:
h=3 m=21
